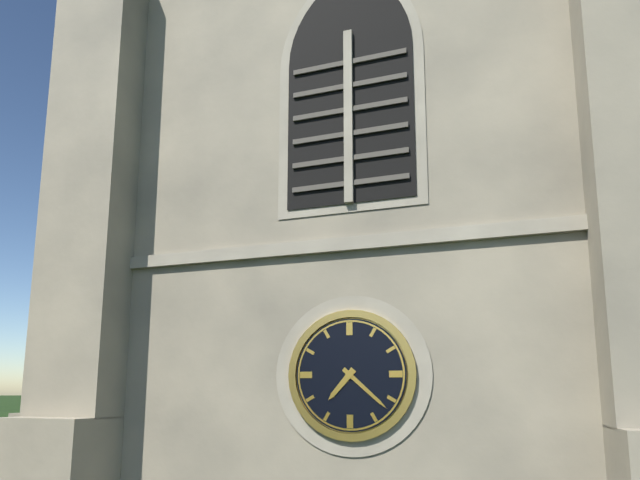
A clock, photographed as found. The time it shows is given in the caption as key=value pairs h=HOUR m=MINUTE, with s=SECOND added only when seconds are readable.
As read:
h=7 m=22
